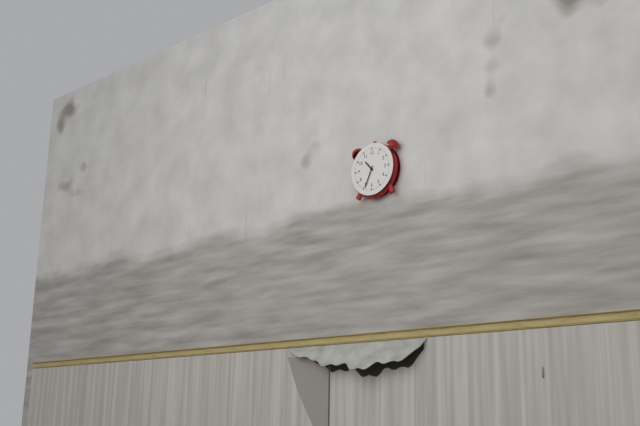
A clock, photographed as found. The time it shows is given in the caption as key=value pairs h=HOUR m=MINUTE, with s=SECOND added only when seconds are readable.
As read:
h=10 m=34
